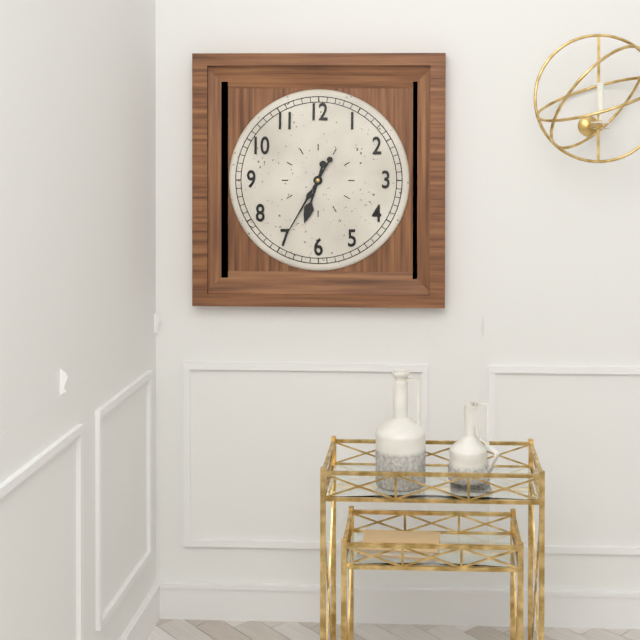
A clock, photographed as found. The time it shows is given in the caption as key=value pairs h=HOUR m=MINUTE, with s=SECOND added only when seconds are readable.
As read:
h=6 m=35
